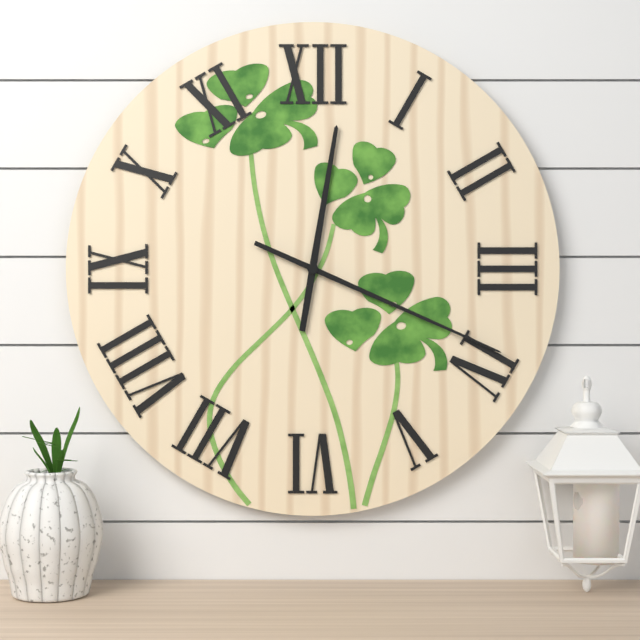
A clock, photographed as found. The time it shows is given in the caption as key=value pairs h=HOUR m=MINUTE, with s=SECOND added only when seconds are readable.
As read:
h=12 m=19
